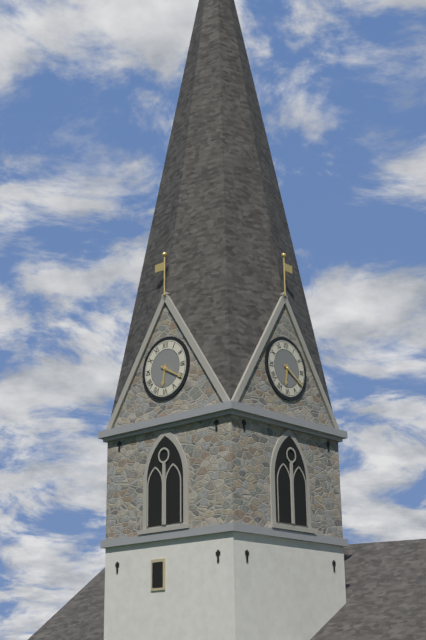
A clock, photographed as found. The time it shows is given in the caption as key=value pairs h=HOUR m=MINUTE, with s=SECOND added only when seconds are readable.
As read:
h=6 m=20
